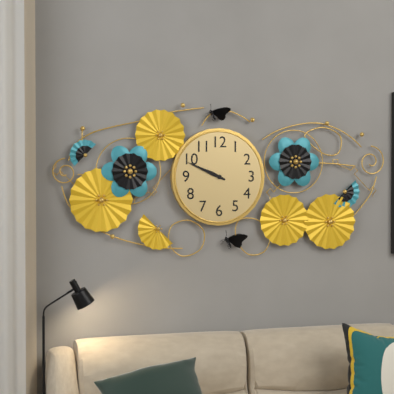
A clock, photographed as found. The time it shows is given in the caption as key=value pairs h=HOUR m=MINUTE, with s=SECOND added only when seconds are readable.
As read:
h=9 m=49
